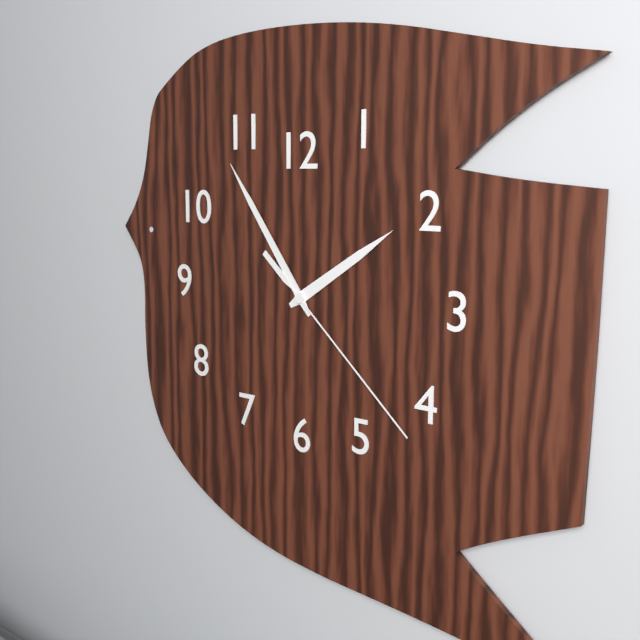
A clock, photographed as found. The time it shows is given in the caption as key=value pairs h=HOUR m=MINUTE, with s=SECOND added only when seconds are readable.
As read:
h=1 m=54 s=22
